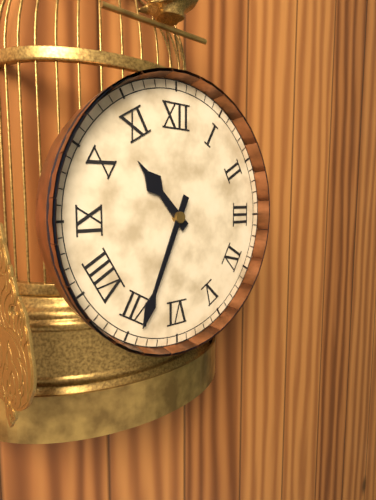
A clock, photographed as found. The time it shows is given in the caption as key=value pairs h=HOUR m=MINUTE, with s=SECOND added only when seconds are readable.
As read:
h=10 m=34
